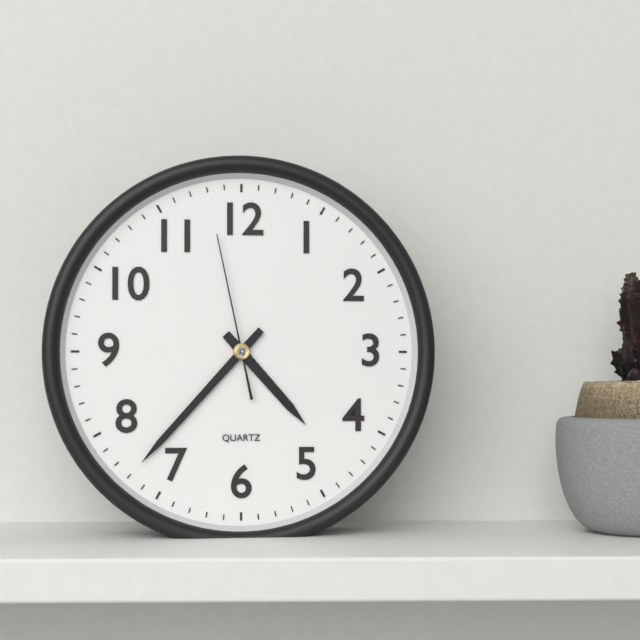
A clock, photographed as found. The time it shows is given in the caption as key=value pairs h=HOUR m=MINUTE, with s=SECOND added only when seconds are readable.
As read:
h=4 m=37 s=58
